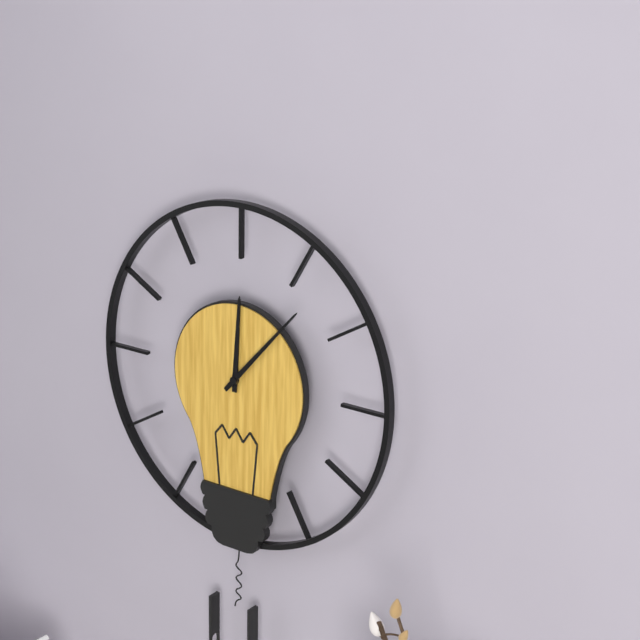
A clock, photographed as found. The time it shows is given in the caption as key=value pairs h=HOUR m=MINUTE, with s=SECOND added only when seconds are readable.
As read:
h=12 m=7
